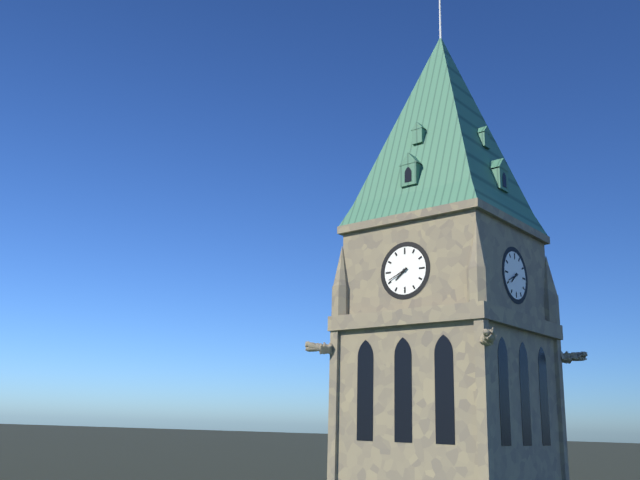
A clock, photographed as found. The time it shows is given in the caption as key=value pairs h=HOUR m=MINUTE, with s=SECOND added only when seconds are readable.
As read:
h=7 m=41
